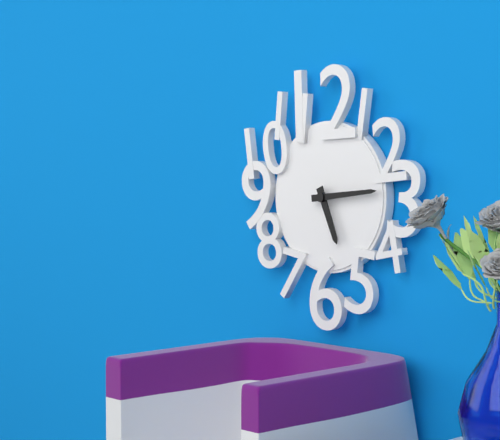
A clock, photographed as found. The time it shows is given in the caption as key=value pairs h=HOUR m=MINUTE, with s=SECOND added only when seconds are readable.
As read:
h=5 m=14
